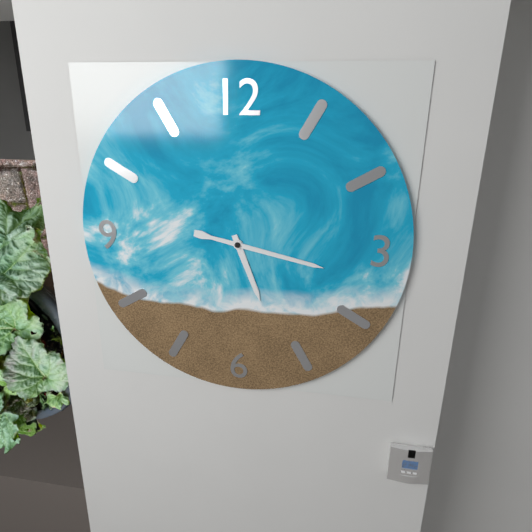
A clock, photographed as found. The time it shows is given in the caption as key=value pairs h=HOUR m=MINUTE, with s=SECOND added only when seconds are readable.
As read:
h=5 m=17
